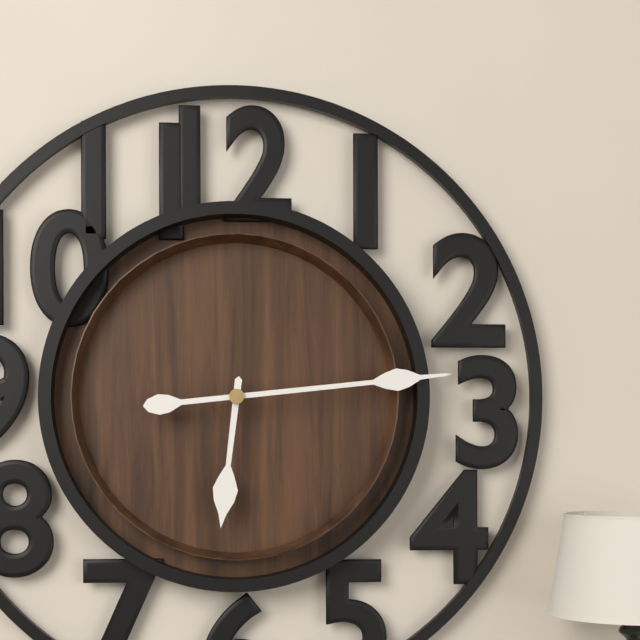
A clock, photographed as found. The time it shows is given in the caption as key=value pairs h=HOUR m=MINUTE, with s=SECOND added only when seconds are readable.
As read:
h=6 m=14
